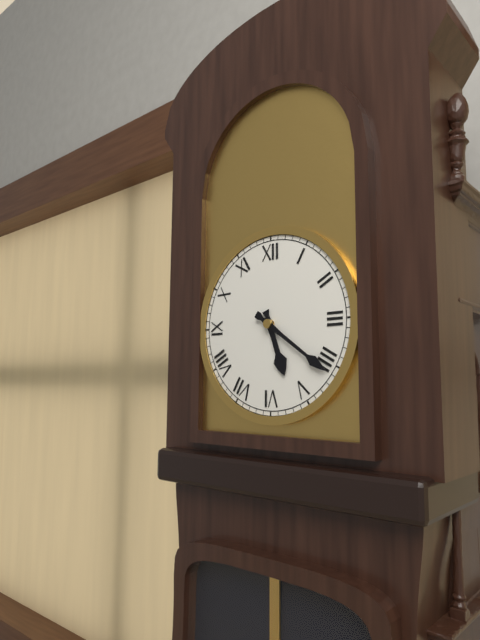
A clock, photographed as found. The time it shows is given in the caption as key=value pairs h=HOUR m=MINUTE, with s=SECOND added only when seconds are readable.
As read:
h=5 m=21
